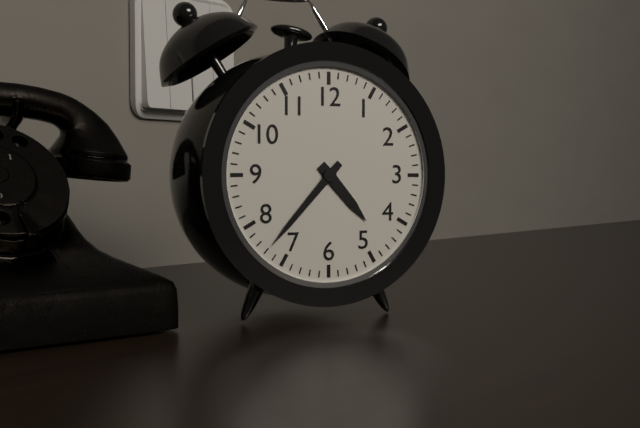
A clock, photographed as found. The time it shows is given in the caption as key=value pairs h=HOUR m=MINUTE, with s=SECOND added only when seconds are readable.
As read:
h=4 m=37
